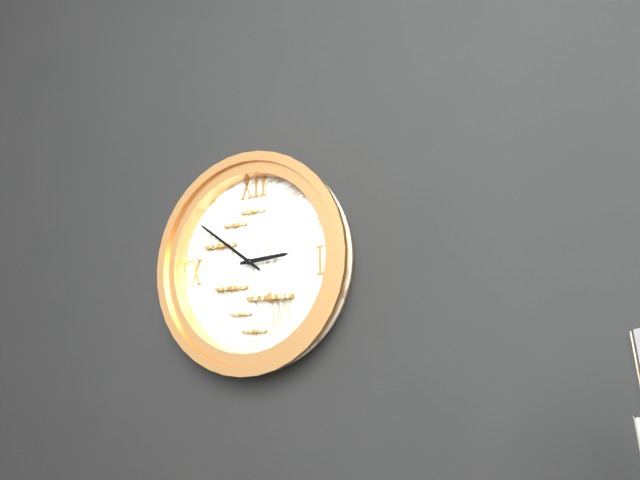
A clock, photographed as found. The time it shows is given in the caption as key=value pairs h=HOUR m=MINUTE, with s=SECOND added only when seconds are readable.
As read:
h=2 m=51
